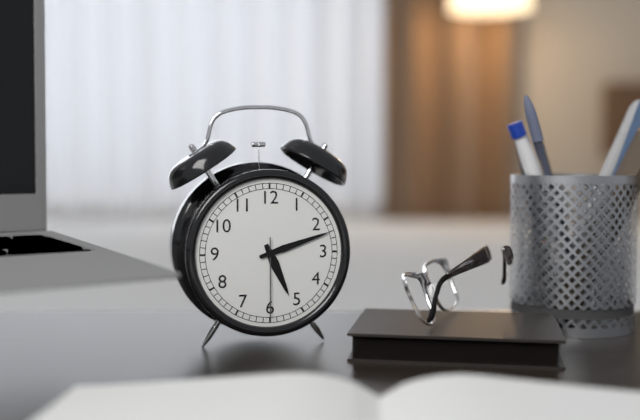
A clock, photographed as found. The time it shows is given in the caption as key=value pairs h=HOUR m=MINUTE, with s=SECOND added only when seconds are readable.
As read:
h=5 m=12 s=30
